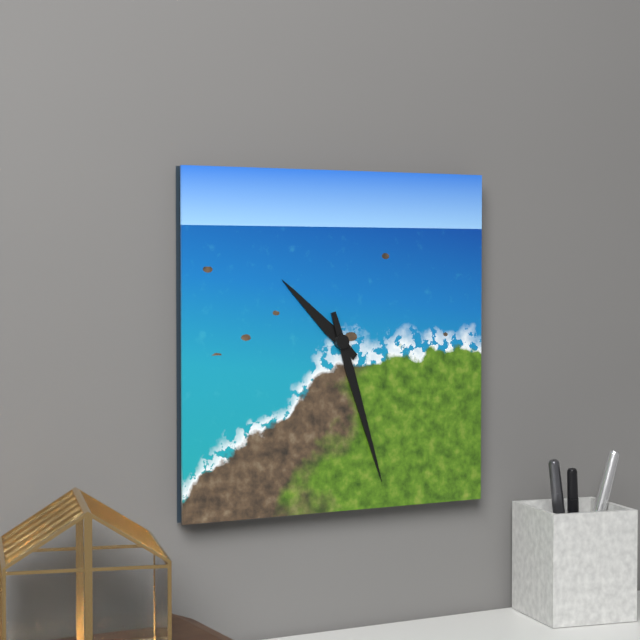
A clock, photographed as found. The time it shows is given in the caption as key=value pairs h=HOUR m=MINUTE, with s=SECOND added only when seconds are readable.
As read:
h=10 m=27
